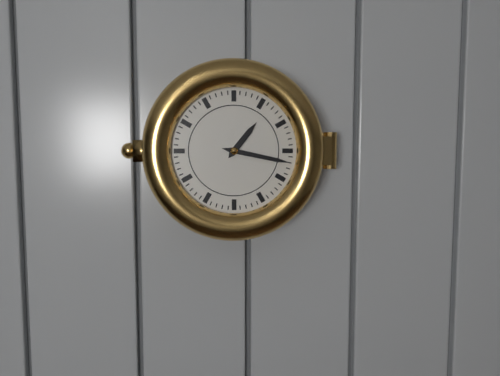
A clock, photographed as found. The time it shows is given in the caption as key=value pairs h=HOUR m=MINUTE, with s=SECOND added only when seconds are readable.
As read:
h=1 m=17
